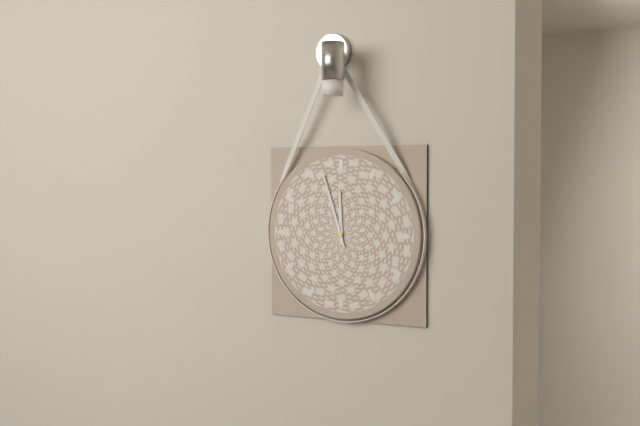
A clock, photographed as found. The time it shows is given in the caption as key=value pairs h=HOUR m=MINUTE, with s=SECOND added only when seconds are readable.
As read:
h=11 m=57
